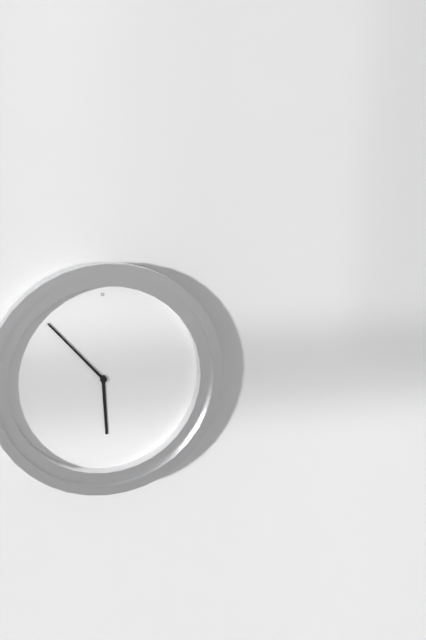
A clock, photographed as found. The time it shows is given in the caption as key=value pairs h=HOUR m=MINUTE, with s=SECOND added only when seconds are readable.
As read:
h=5 m=53
